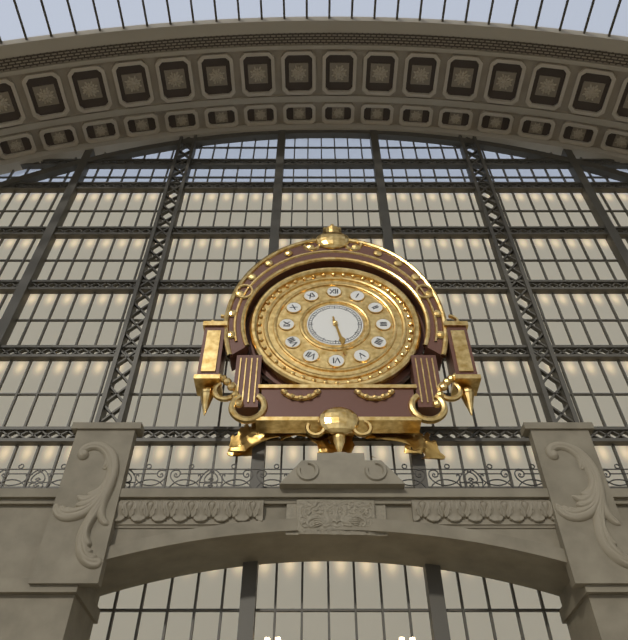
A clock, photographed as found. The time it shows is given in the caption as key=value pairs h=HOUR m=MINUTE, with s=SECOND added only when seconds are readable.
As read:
h=5 m=28
